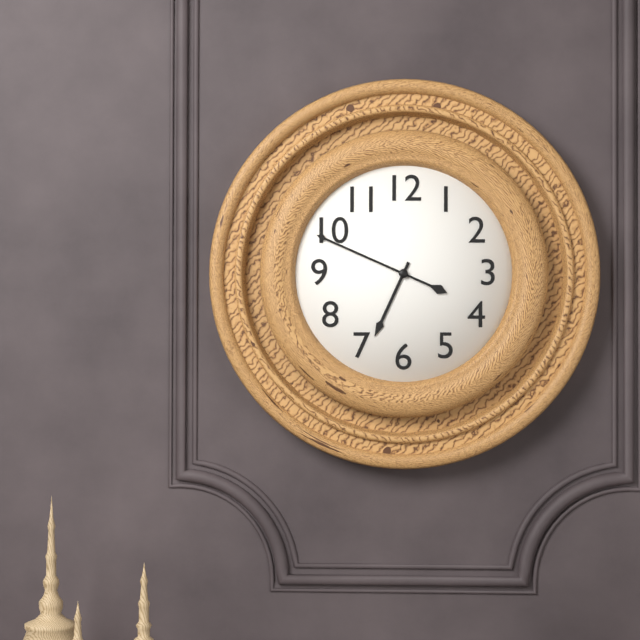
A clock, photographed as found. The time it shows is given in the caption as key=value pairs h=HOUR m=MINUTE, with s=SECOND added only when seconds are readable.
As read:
h=6 m=49
